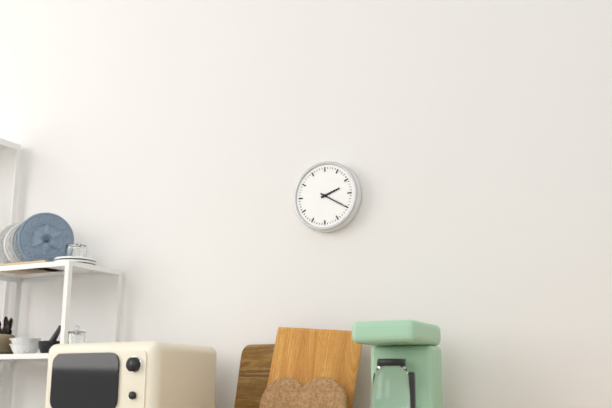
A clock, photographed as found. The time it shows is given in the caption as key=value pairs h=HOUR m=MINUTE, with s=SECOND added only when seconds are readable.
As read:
h=2 m=20
